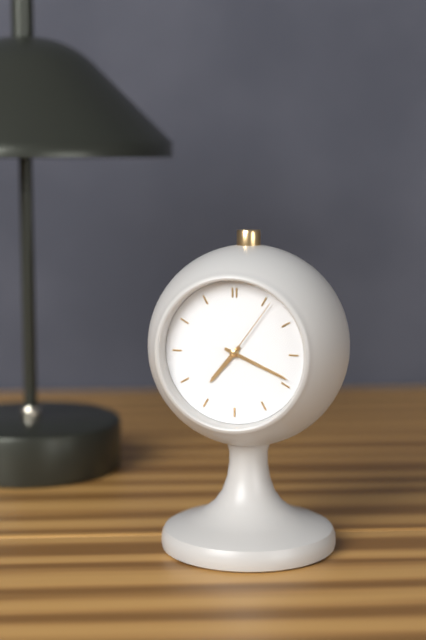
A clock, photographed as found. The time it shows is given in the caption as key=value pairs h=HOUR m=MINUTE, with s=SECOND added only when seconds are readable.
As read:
h=7 m=19 s=6
